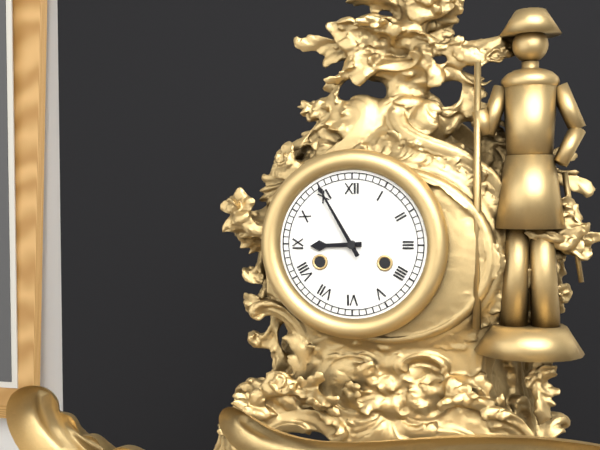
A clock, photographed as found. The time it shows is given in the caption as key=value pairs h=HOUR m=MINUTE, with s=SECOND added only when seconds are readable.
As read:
h=8 m=55
